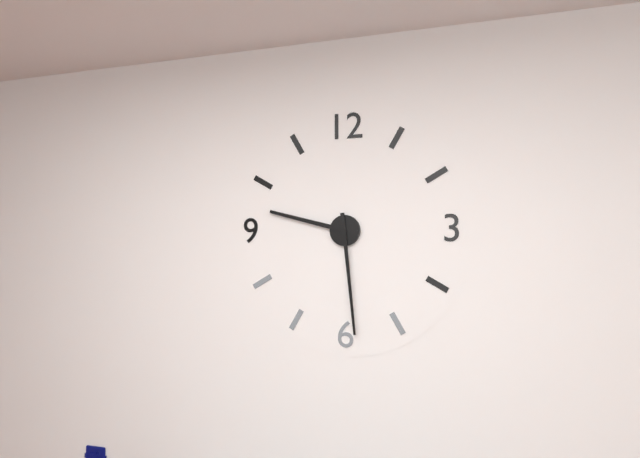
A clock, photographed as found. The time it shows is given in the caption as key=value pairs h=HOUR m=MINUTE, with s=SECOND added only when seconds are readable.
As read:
h=9 m=29
